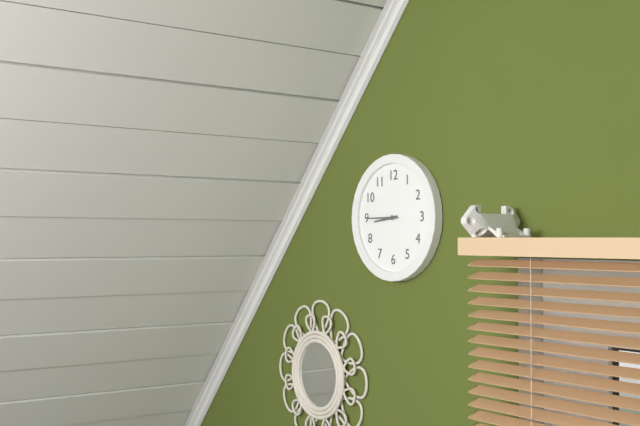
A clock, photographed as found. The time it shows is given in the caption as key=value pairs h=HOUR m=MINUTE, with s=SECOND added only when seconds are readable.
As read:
h=8 m=45
